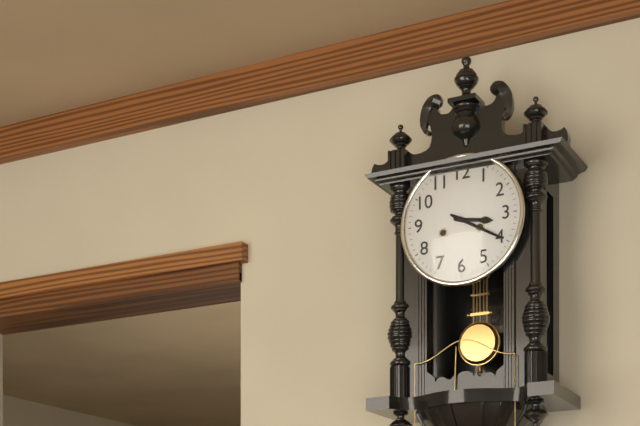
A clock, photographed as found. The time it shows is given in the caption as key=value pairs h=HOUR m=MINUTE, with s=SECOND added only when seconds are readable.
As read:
h=3 m=20
